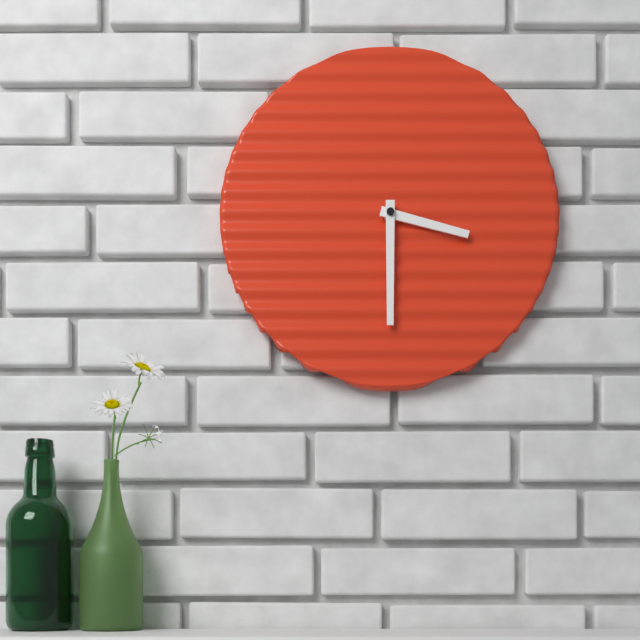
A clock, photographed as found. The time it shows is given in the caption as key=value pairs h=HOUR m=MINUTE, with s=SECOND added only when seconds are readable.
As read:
h=3 m=30
